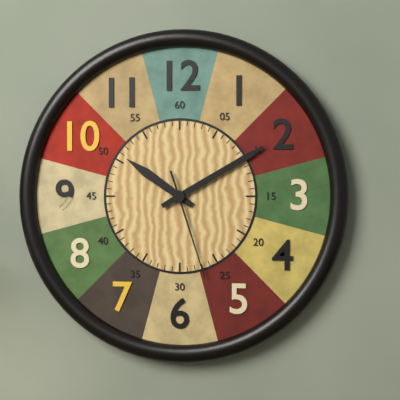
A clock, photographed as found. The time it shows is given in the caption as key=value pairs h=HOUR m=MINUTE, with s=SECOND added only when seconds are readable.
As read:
h=10 m=10 s=27
